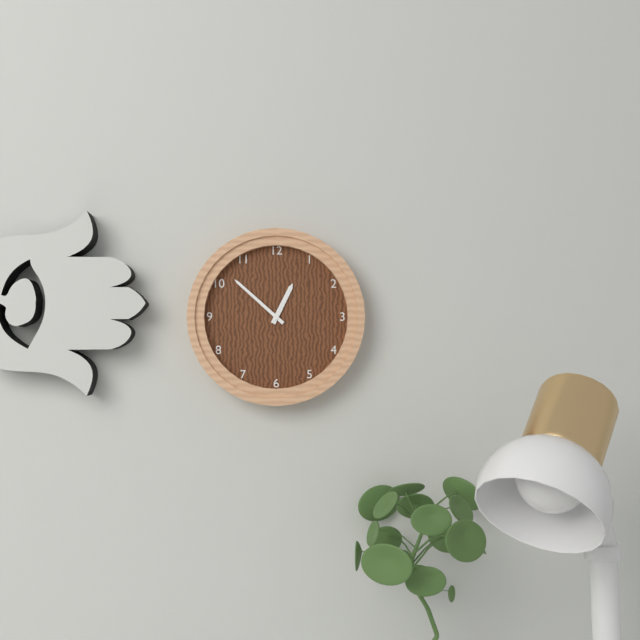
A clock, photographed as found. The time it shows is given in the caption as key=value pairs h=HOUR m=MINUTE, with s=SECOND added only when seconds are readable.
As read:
h=12 m=52
